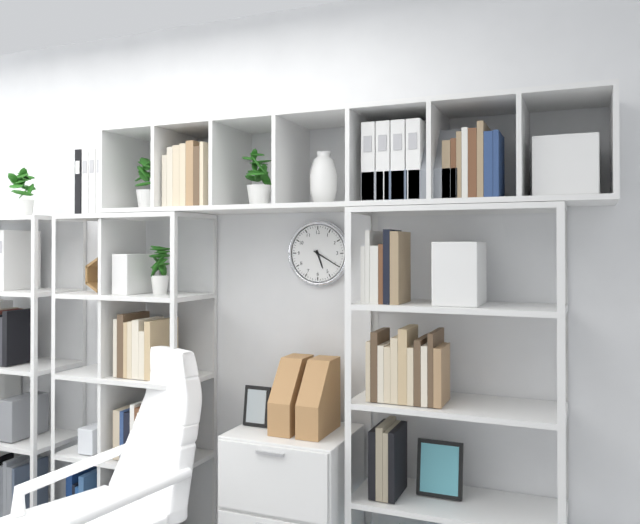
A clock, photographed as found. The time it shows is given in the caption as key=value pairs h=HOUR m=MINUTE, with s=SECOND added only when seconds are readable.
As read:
h=5 m=20
